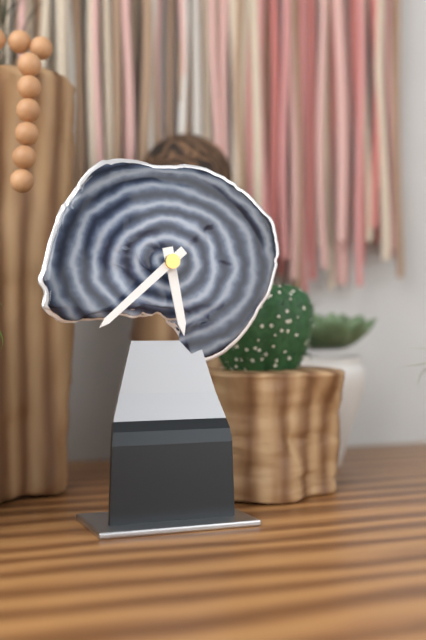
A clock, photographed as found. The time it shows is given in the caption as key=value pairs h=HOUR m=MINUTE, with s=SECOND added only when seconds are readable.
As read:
h=5 m=38
